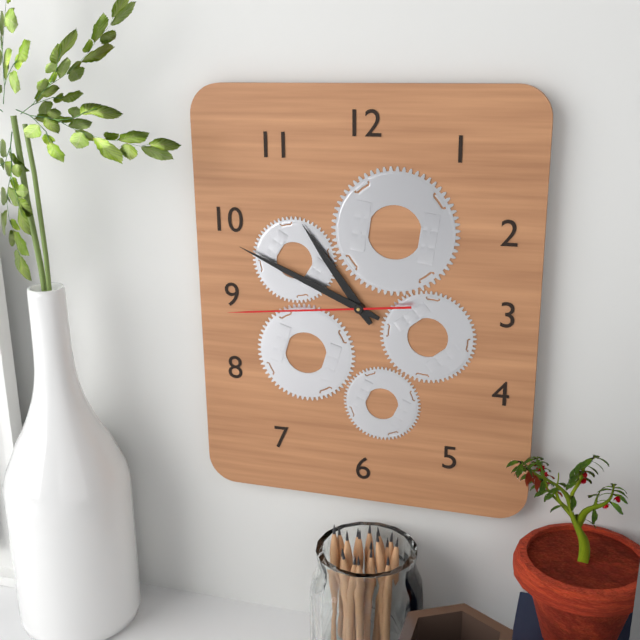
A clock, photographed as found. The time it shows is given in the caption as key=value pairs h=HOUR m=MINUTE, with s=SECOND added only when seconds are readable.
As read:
h=10 m=49 s=44
